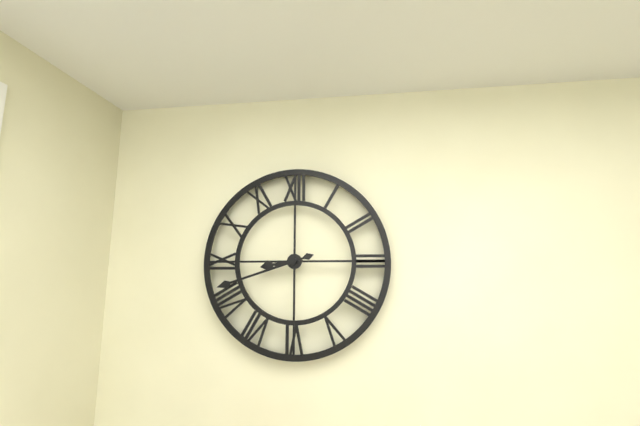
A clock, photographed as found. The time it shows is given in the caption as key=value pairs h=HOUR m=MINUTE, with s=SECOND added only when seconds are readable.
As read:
h=8 m=42
